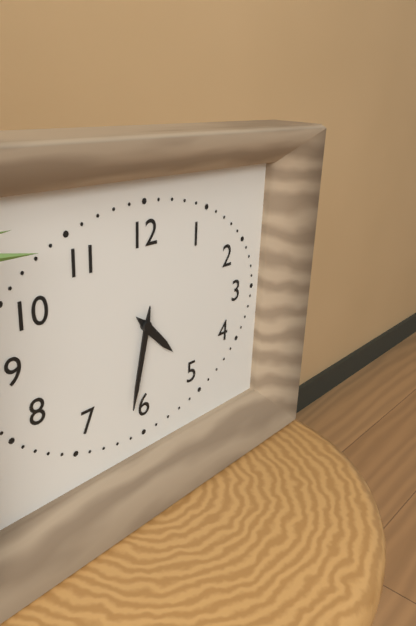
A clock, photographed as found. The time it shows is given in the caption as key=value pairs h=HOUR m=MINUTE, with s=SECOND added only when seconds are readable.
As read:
h=4 m=32
